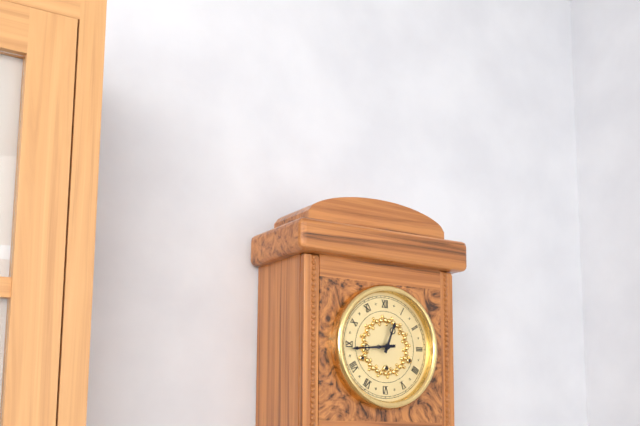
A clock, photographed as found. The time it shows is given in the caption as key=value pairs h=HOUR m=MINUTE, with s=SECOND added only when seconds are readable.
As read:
h=12 m=44
